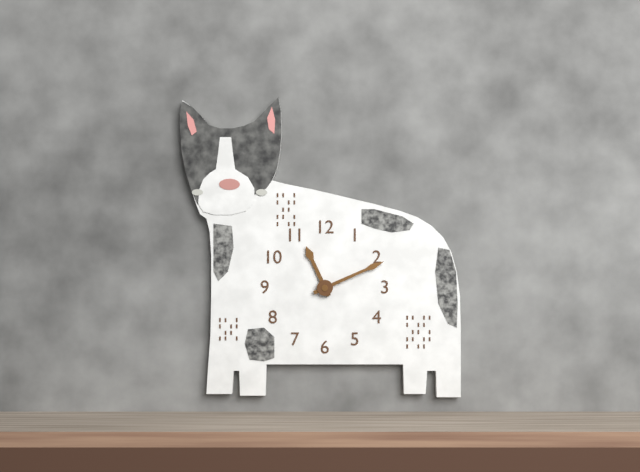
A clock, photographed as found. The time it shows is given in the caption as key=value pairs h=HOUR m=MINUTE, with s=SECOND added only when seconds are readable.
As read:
h=11 m=11
